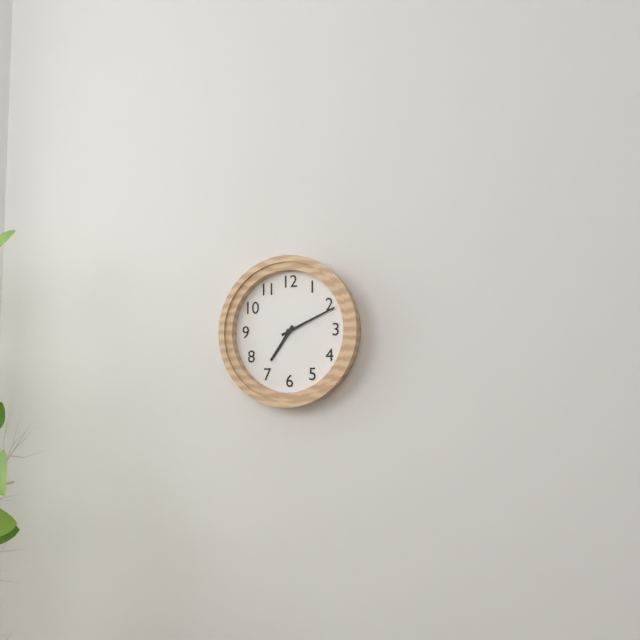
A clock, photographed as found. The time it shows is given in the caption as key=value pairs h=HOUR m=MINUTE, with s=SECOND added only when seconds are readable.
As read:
h=7 m=11
